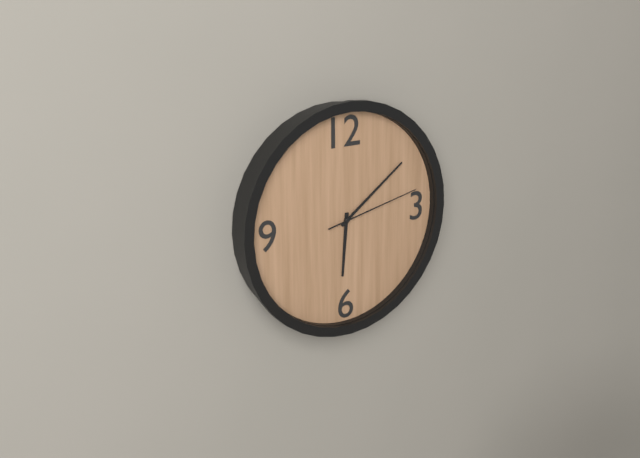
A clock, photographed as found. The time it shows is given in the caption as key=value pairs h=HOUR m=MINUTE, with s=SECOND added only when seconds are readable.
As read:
h=6 m=9 s=13
